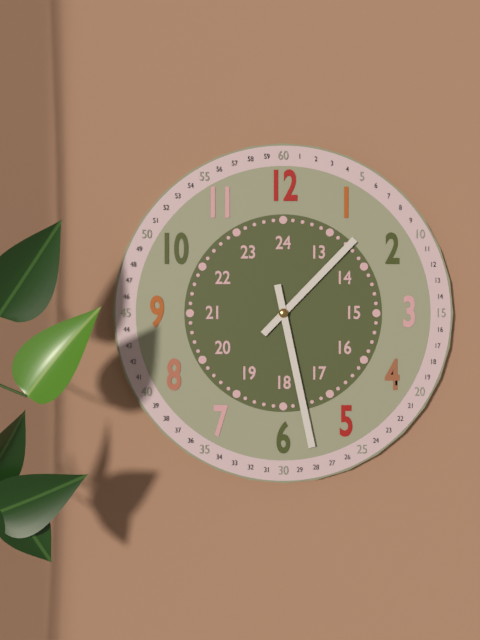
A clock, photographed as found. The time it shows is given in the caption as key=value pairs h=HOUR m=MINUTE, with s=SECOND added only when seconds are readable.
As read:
h=1 m=28
